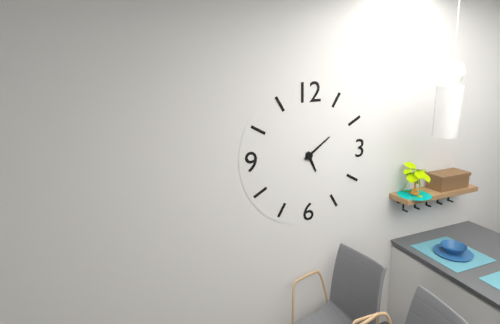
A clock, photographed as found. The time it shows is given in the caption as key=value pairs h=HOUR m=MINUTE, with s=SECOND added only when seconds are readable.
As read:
h=5 m=9
